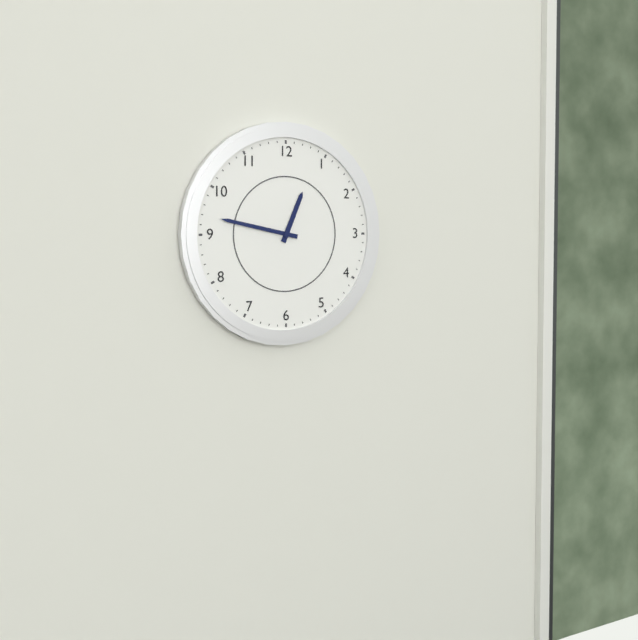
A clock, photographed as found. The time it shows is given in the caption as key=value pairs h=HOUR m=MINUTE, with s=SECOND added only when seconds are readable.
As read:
h=12 m=47
